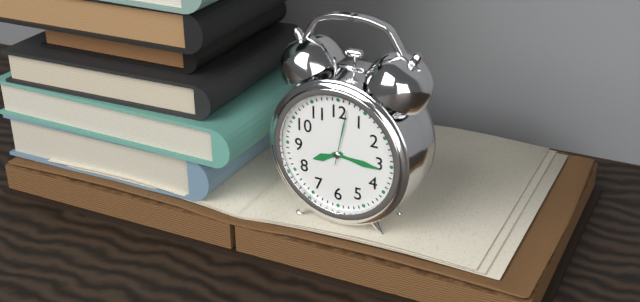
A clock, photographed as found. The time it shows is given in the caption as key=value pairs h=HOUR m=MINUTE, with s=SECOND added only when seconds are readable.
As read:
h=8 m=16 s=2
